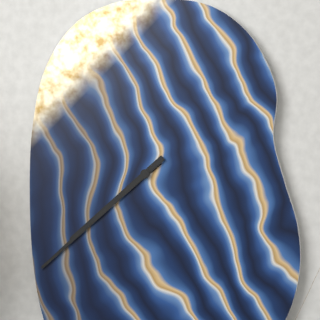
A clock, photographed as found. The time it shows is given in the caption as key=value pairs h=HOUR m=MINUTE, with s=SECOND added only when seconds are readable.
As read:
h=7 m=38
